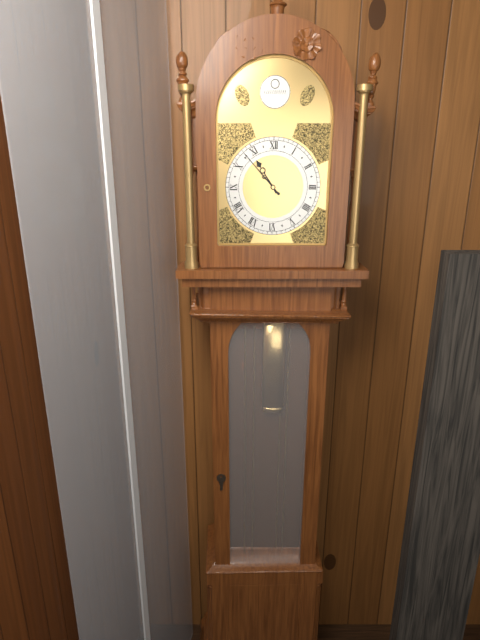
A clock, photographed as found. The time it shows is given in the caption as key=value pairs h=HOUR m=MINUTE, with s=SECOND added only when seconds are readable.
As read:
h=10 m=53
